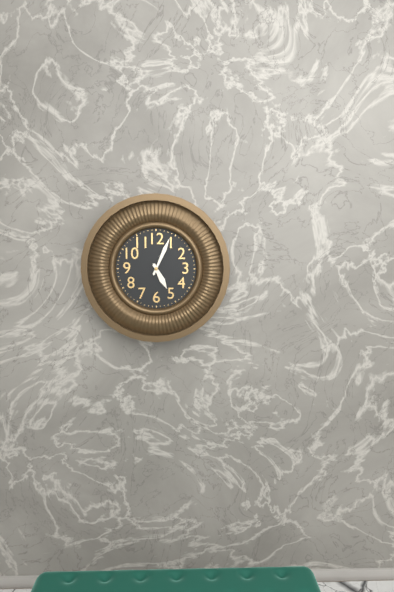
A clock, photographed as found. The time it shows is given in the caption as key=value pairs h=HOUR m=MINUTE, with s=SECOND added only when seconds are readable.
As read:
h=5 m=4
